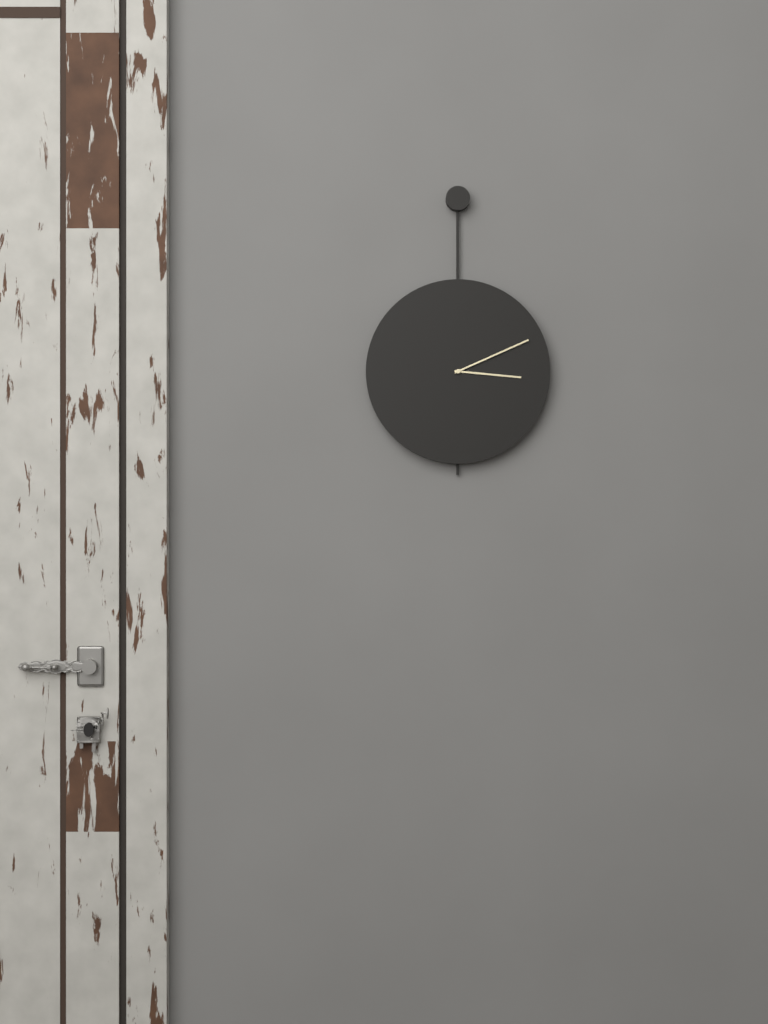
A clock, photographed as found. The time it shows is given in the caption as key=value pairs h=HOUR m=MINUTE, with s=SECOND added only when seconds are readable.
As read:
h=3 m=11
